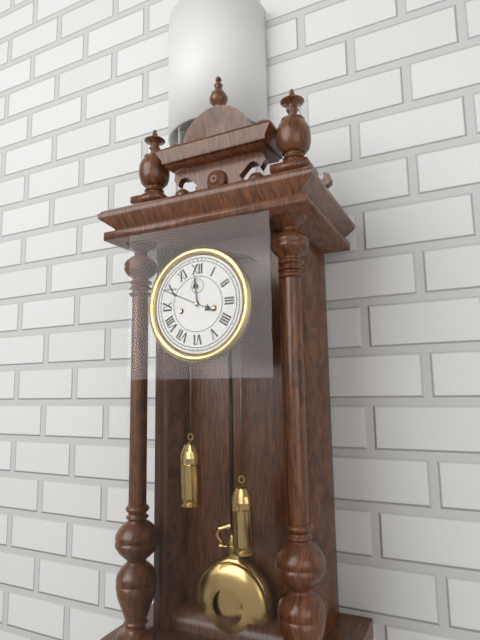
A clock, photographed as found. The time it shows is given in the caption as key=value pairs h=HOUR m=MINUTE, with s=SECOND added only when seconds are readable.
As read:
h=11 m=49
